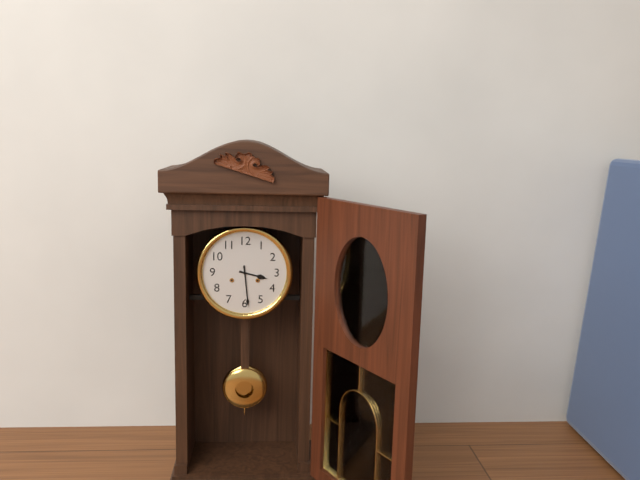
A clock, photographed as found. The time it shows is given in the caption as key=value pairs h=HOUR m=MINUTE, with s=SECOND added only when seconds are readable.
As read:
h=3 m=29
